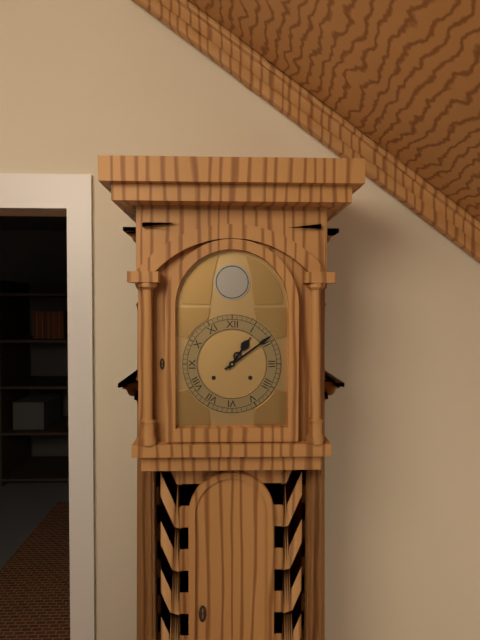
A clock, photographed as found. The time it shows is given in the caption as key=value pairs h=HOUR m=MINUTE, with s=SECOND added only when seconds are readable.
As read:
h=1 m=9
